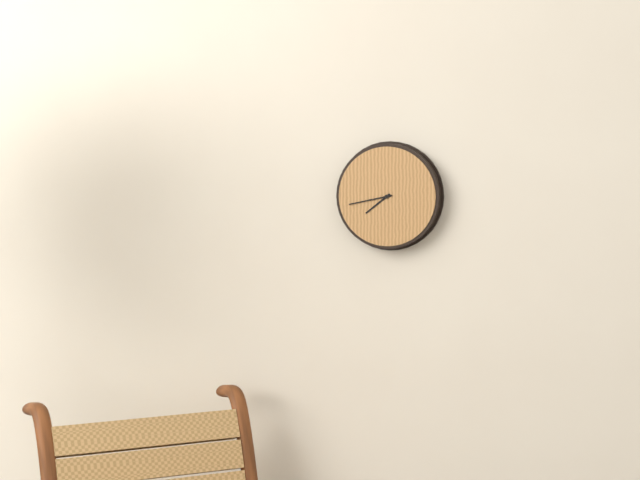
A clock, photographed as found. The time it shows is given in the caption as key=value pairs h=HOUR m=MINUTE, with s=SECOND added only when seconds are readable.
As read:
h=7 m=43
